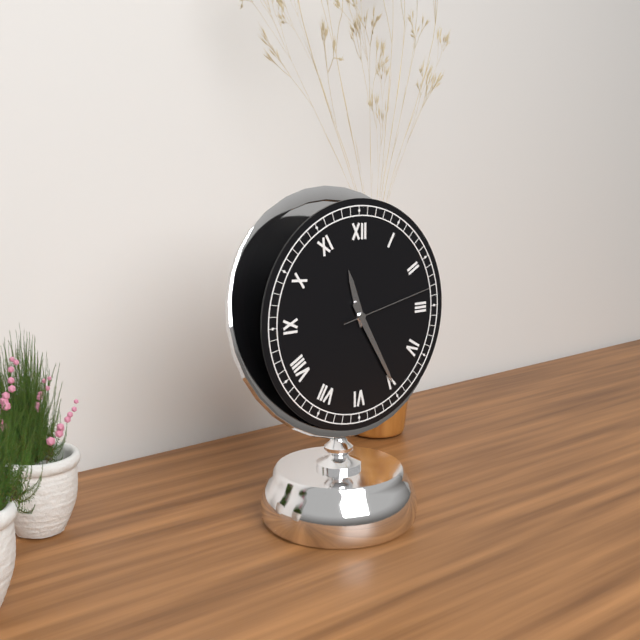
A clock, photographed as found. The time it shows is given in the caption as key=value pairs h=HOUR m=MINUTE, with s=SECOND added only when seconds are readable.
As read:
h=11 m=25 s=13
